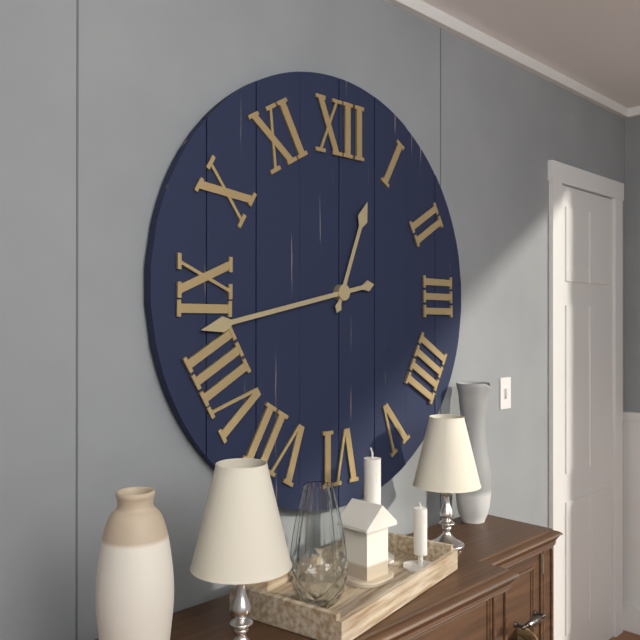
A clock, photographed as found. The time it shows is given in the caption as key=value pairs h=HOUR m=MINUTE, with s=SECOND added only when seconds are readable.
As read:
h=12 m=43
